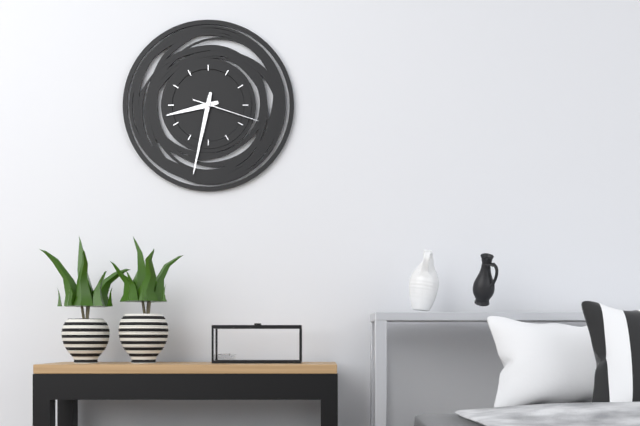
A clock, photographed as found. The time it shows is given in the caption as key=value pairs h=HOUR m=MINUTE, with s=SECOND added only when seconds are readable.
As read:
h=8 m=32 s=18
